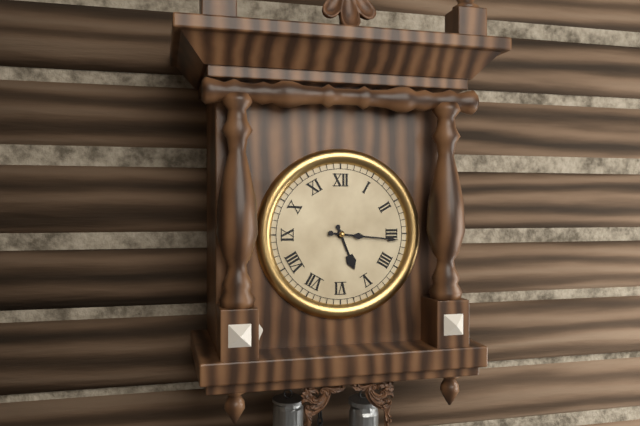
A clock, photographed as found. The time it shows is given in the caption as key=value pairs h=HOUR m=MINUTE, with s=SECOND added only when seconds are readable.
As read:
h=5 m=16
